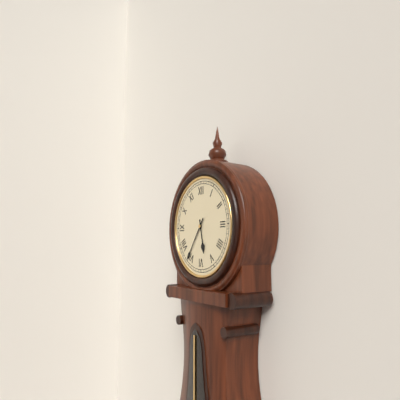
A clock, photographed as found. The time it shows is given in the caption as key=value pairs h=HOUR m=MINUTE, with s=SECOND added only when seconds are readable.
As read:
h=5 m=36
